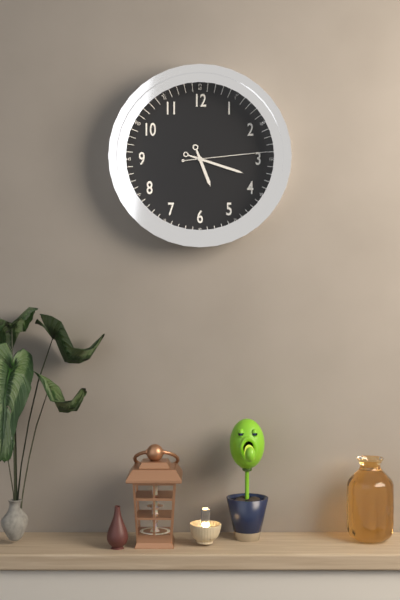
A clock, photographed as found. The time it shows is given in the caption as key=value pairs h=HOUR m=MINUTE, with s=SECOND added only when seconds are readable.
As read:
h=5 m=18 s=14
